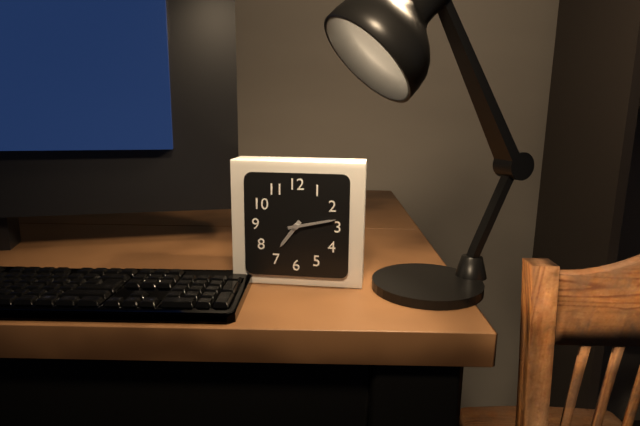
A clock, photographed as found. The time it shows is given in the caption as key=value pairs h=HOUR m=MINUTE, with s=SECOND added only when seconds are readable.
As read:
h=7 m=13
